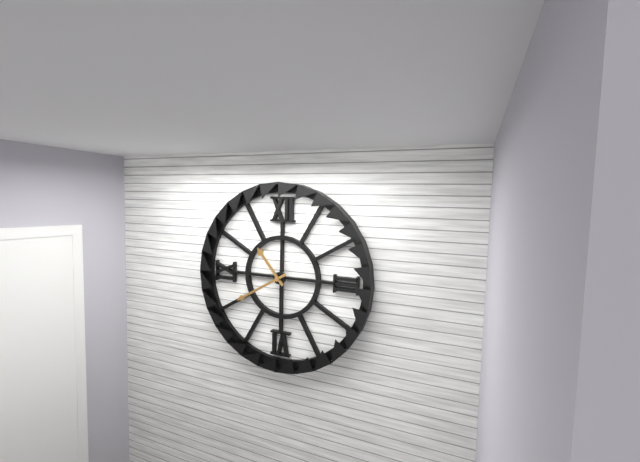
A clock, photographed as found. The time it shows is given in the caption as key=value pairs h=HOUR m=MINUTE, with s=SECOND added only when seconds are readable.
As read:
h=10 m=40
